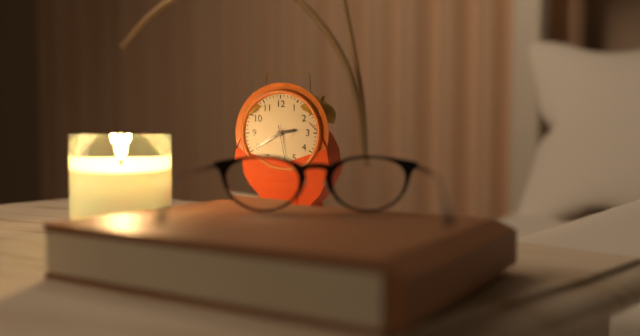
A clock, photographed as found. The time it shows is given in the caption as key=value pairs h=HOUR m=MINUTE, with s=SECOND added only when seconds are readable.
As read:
h=2 m=40
